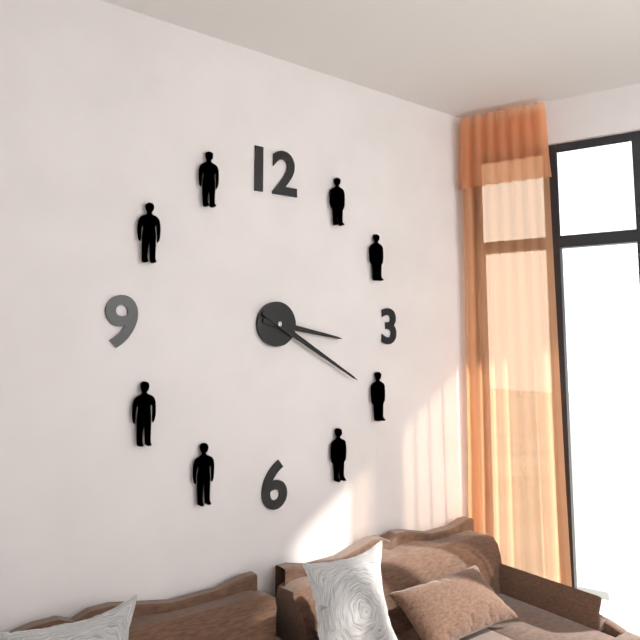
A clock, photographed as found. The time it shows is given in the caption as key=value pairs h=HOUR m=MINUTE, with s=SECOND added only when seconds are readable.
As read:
h=3 m=20
